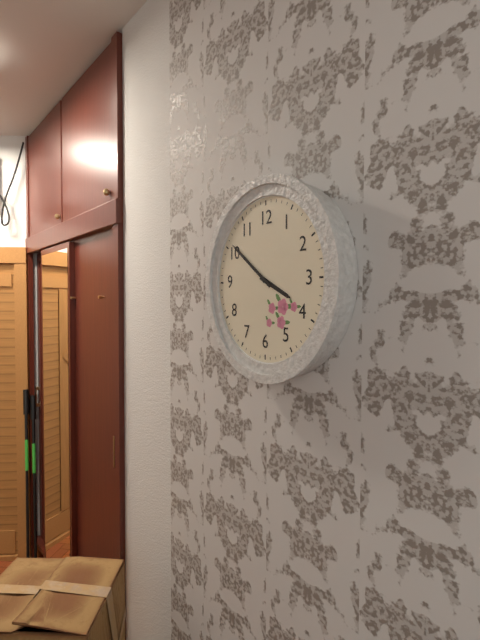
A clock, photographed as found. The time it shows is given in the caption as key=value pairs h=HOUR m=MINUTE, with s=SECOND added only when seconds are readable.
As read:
h=3 m=51
